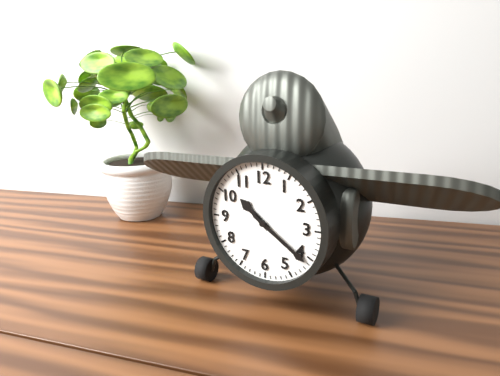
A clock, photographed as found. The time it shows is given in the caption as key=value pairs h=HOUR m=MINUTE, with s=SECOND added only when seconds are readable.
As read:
h=10 m=21
